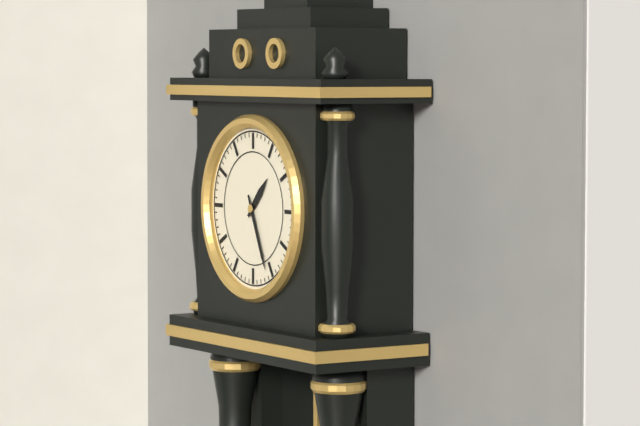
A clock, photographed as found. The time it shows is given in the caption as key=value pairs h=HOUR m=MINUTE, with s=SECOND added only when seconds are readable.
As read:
h=1 m=26
